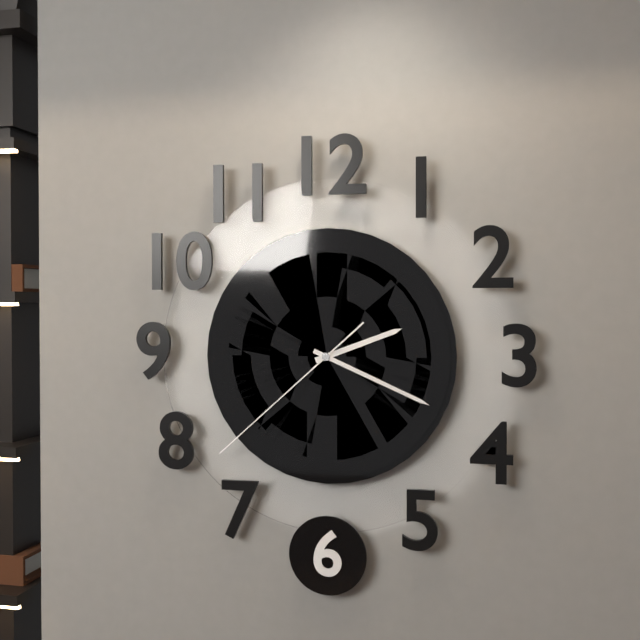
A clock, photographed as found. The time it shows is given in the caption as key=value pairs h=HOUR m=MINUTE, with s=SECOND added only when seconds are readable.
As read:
h=2 m=19 s=38
